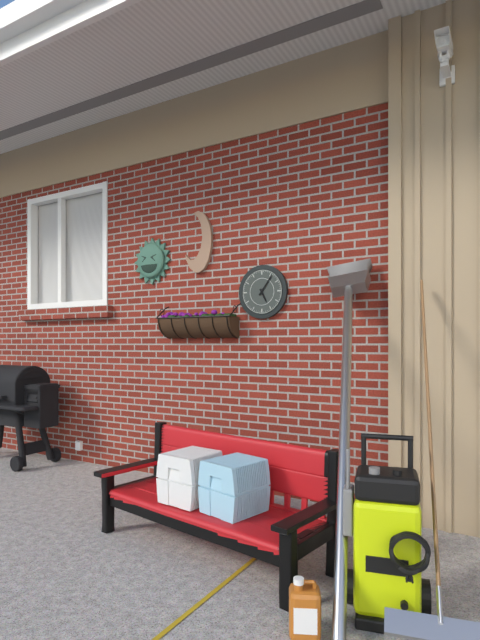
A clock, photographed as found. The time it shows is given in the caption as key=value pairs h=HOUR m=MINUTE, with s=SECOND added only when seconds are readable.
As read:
h=5 m=6
